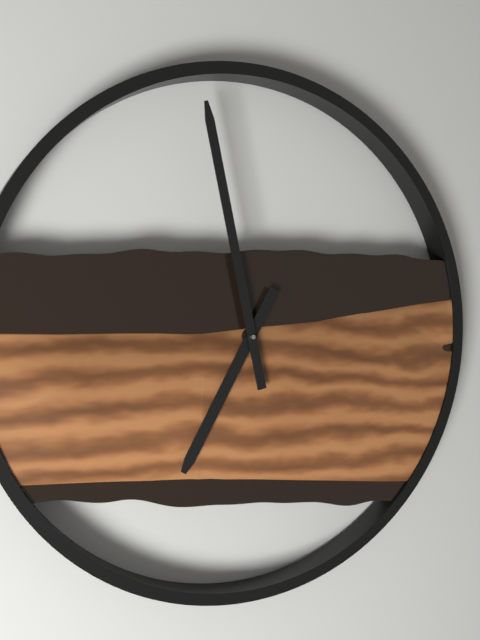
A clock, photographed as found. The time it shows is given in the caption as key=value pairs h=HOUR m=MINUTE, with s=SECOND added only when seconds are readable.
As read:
h=6 m=58
